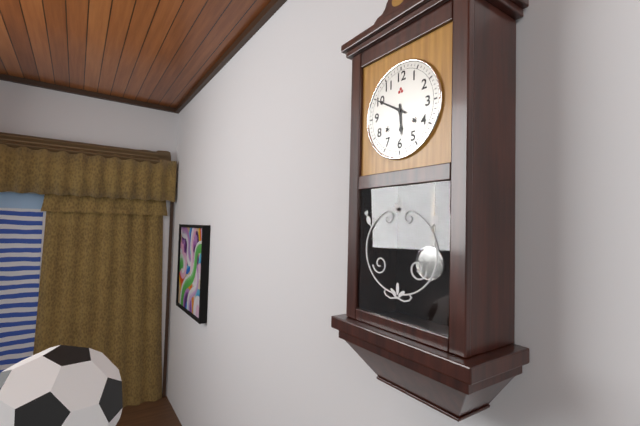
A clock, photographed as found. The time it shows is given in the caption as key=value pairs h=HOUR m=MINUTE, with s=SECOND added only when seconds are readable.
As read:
h=5 m=50
